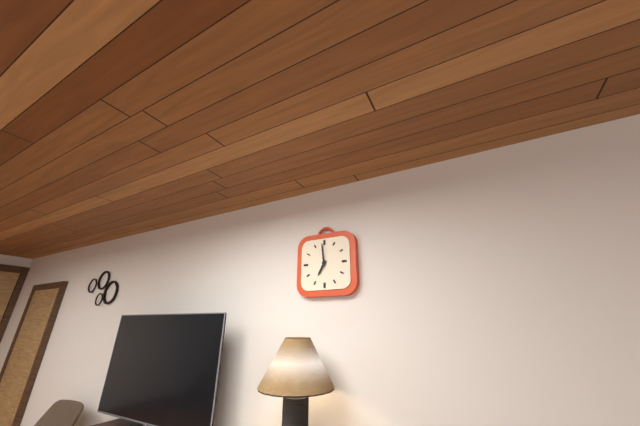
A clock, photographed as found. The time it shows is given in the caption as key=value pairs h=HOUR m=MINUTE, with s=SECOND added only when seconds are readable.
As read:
h=6 m=59
